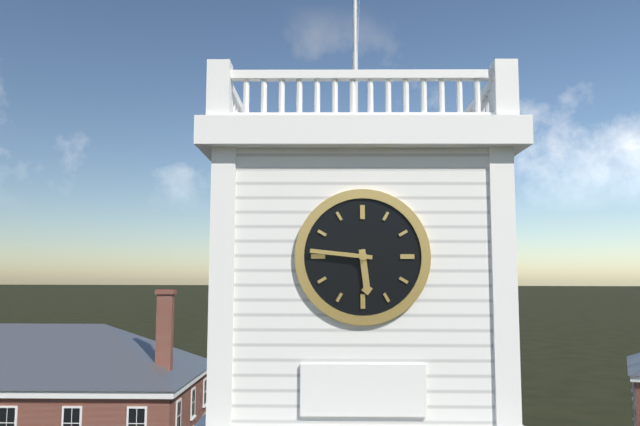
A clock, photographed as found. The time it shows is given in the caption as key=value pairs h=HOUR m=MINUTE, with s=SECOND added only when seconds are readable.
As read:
h=5 m=46
